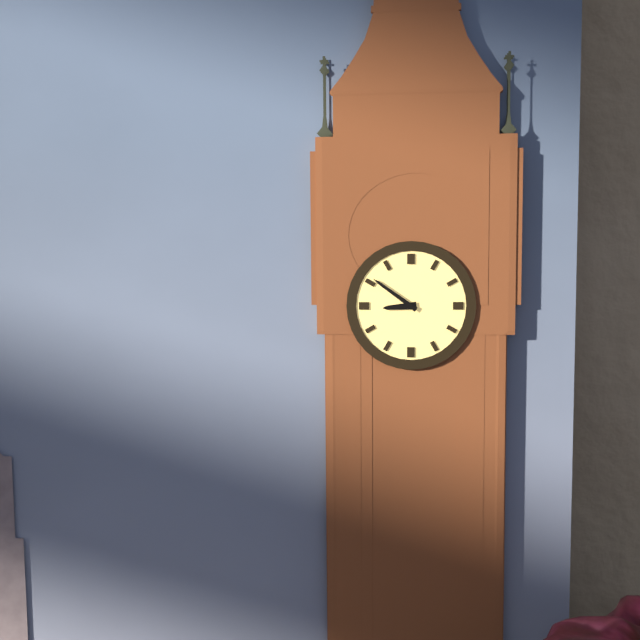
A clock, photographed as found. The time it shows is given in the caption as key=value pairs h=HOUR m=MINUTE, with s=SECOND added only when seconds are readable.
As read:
h=8 m=51
